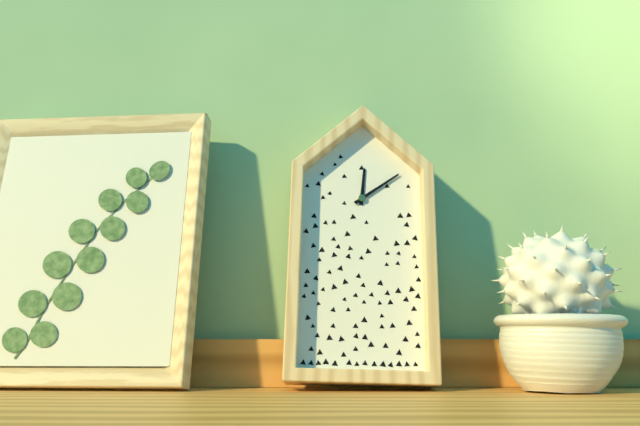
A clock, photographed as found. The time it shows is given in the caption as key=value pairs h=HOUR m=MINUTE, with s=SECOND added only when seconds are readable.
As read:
h=12 m=9
